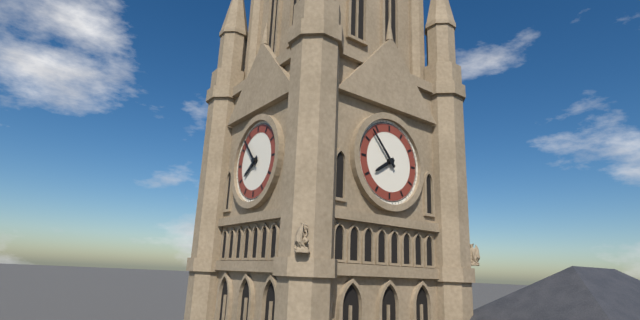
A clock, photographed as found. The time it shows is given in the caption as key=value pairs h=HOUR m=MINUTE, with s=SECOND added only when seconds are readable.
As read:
h=7 m=53
